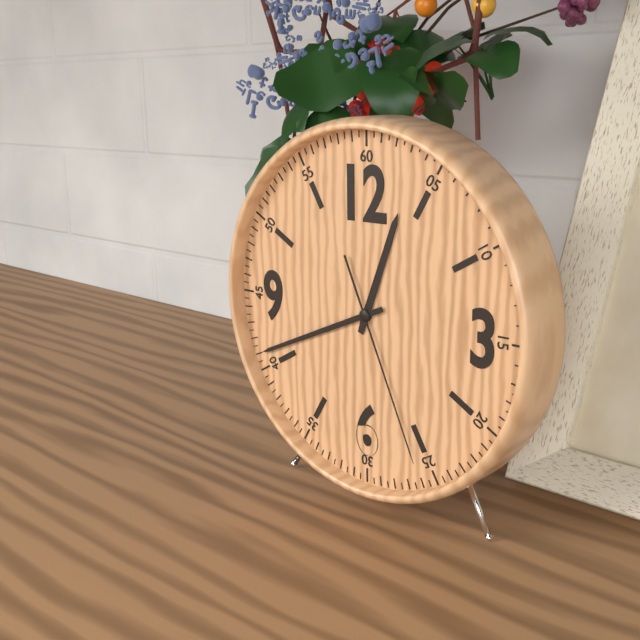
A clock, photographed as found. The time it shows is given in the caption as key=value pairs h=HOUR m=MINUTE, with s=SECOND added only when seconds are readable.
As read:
h=12 m=41 s=26
